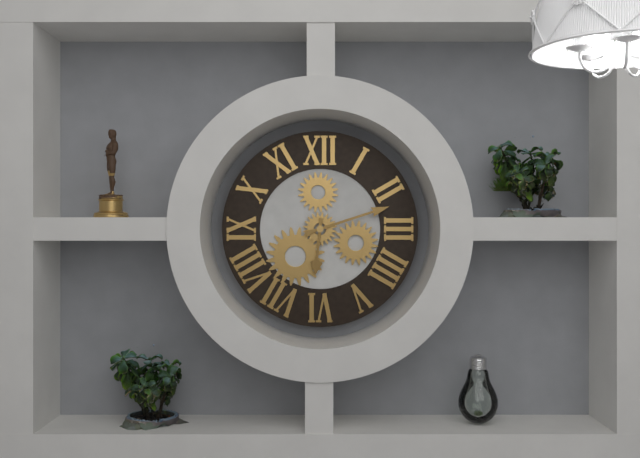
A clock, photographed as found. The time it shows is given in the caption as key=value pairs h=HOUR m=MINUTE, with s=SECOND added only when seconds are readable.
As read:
h=6 m=12
